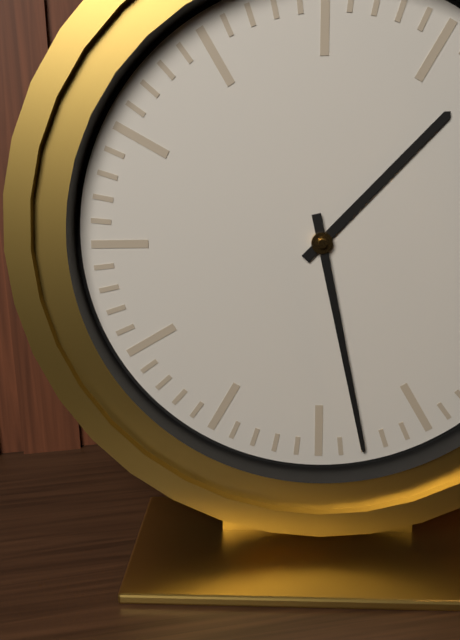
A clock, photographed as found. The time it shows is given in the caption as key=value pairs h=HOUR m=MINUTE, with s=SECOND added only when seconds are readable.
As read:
h=1 m=28
